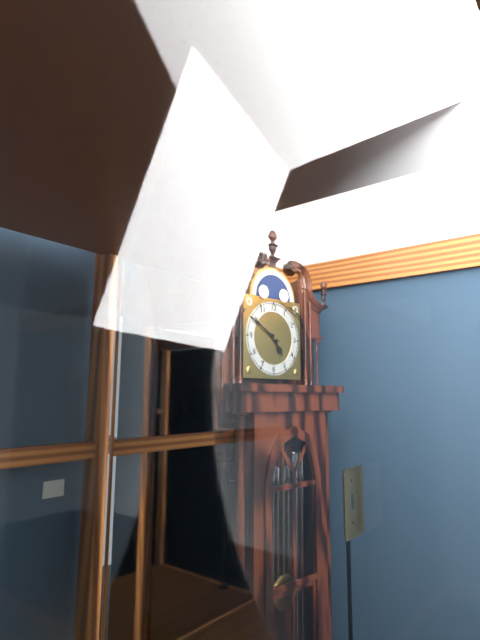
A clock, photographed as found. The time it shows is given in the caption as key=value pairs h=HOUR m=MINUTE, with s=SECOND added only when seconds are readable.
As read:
h=4 m=50
